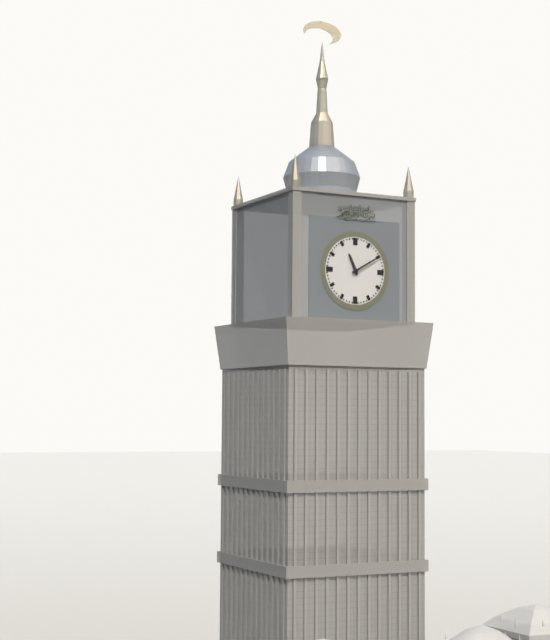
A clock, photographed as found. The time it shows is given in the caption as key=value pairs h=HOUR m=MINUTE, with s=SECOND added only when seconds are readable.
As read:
h=11 m=10
